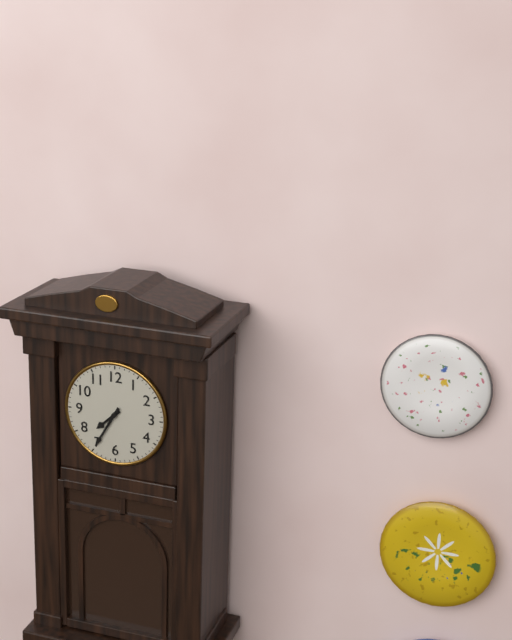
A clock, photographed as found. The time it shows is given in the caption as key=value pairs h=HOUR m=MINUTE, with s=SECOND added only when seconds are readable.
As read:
h=7 m=35
